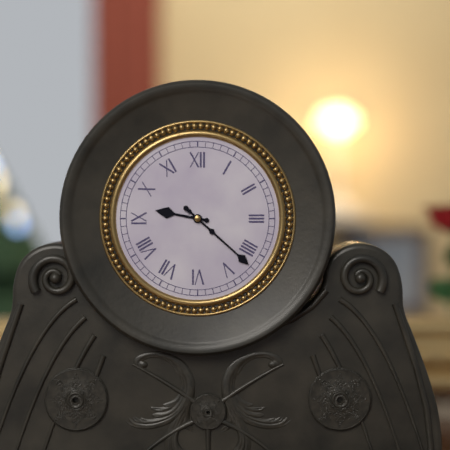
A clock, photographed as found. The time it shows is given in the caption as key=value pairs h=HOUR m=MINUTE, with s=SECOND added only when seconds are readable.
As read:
h=9 m=22 s=22
